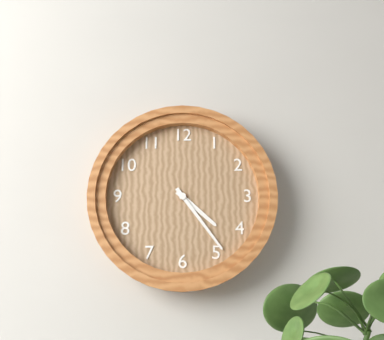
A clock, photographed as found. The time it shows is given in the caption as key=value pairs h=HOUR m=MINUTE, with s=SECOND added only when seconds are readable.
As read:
h=4 m=24
